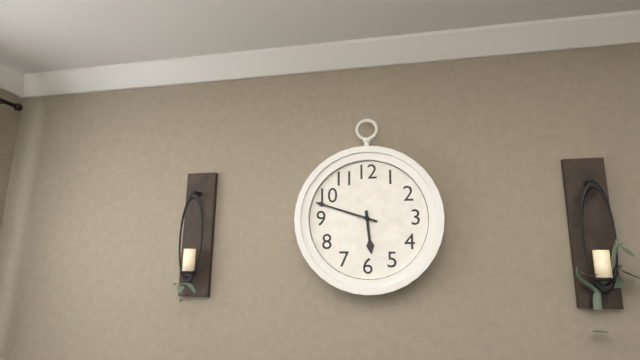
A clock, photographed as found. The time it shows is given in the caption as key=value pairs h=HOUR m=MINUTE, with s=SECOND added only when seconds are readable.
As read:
h=5 m=48
